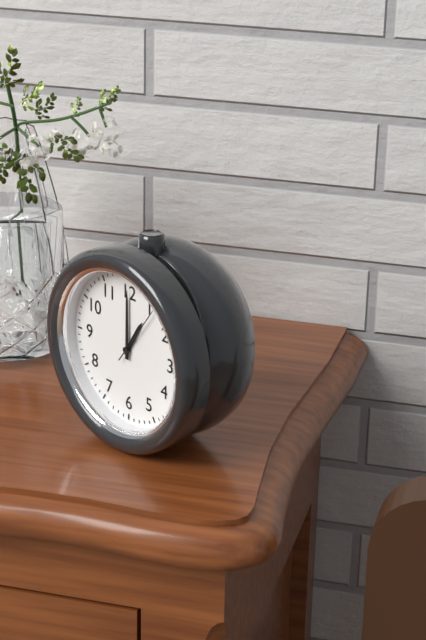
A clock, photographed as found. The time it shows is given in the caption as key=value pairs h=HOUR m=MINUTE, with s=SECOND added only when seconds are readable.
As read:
h=1 m=0 s=6
